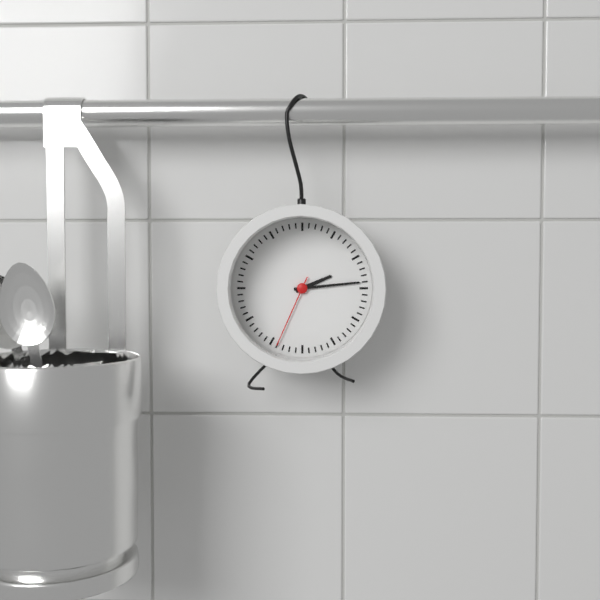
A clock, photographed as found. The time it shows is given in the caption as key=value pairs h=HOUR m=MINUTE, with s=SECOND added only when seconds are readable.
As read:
h=2 m=14 s=34
